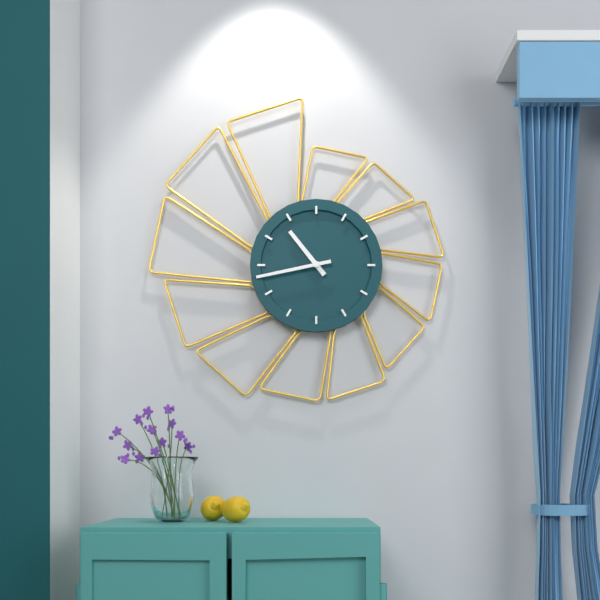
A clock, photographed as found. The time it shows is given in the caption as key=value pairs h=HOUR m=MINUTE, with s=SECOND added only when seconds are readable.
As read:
h=10 m=43
